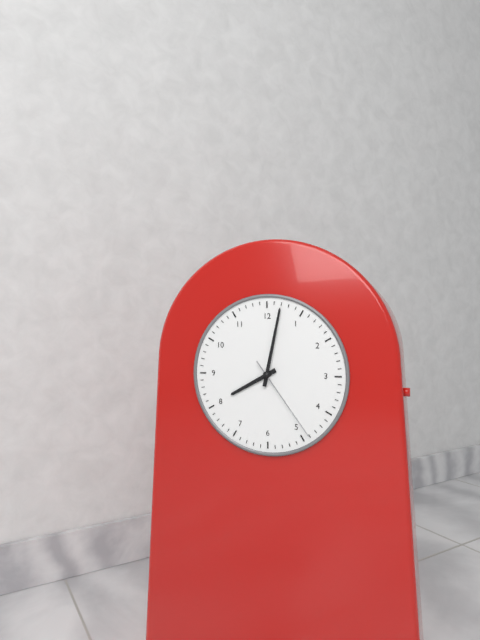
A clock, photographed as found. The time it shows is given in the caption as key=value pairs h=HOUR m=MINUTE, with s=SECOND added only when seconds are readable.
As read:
h=8 m=2 s=24
